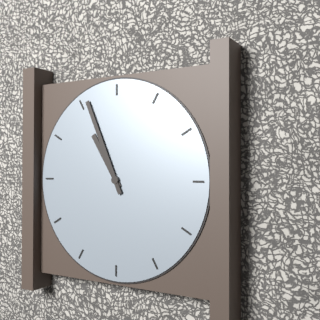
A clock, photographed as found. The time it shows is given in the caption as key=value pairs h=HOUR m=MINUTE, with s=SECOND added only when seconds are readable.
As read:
h=10 m=56
